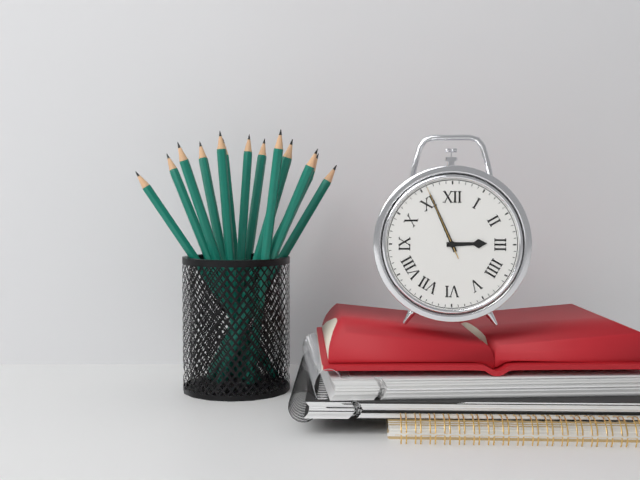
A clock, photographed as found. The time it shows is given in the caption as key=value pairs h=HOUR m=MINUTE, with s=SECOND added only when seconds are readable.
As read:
h=2 m=56 s=56
